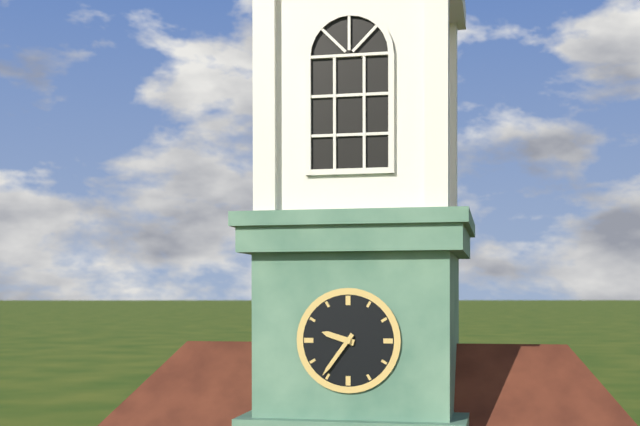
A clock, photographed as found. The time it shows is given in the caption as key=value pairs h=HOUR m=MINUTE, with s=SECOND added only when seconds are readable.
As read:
h=9 m=36
